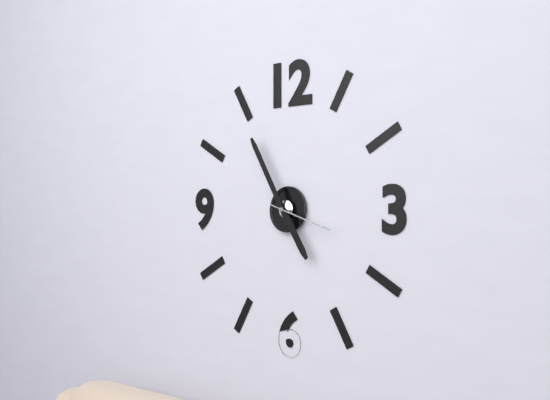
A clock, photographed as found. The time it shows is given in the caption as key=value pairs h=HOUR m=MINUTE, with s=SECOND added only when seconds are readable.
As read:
h=4 m=55 s=18
